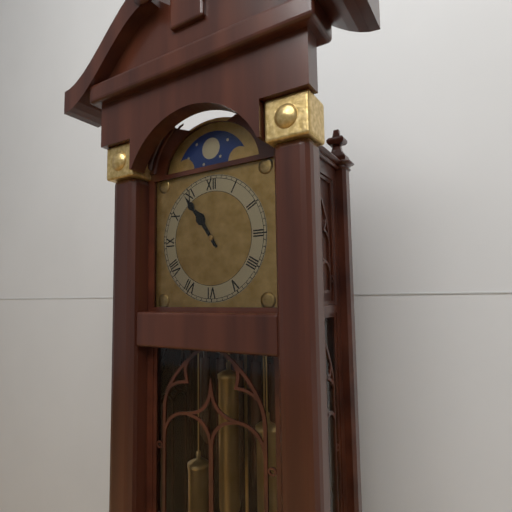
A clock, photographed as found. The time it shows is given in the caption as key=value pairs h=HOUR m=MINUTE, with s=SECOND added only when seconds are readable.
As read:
h=10 m=54
